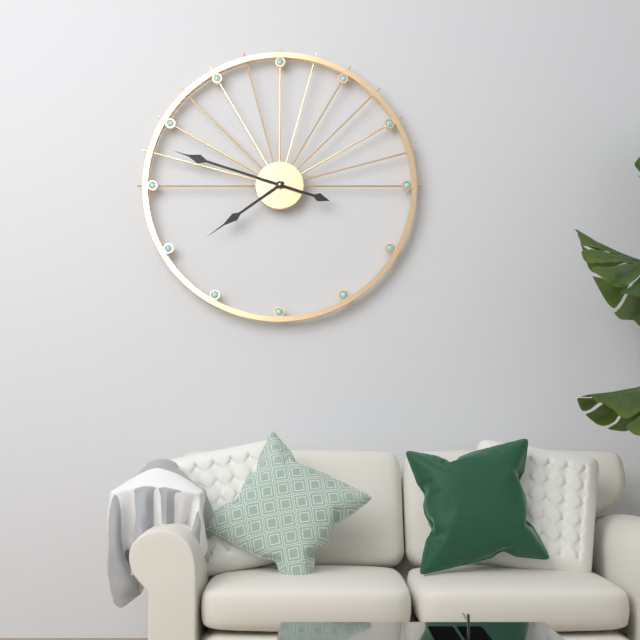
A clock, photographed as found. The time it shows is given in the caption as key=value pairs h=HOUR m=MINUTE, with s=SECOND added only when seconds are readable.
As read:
h=7 m=48
